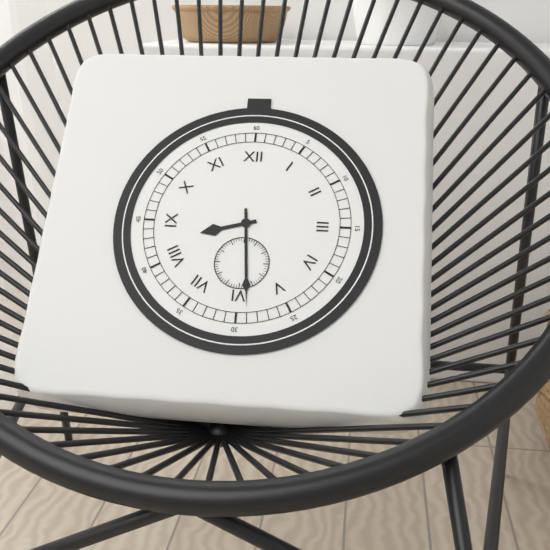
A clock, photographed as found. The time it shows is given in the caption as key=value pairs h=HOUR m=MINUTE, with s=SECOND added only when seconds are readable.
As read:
h=8 m=29
